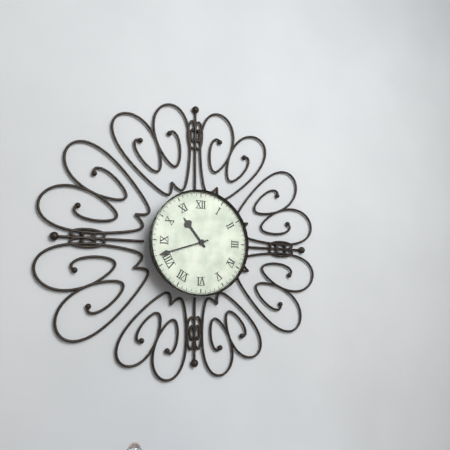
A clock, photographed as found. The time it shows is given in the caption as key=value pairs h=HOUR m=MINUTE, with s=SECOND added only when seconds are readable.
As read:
h=10 m=42
